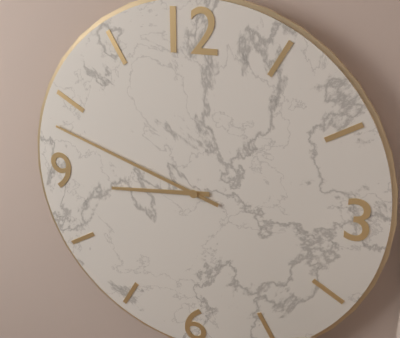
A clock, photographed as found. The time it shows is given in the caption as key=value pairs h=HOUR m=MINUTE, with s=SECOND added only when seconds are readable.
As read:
h=8 m=48
